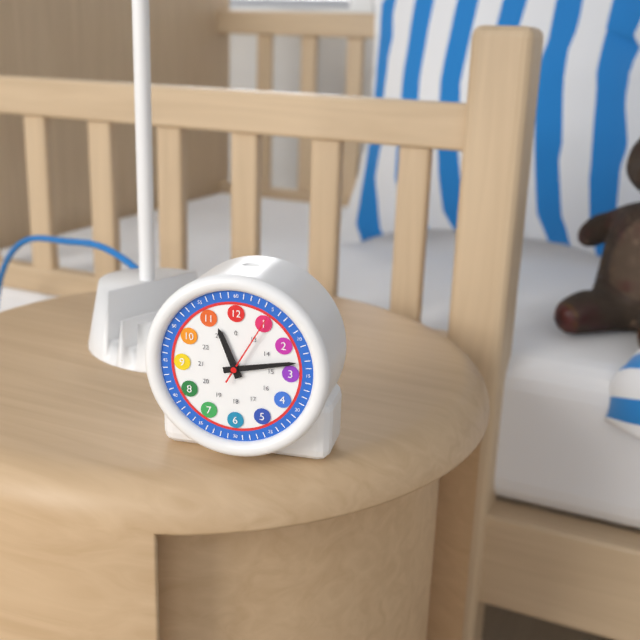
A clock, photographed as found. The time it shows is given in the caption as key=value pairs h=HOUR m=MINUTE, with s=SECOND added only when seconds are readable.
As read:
h=11 m=13 s=5
